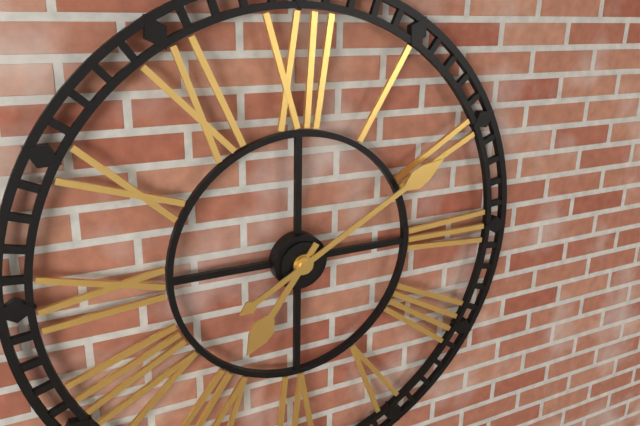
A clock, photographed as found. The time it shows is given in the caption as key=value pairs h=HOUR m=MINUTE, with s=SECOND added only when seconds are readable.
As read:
h=7 m=10
